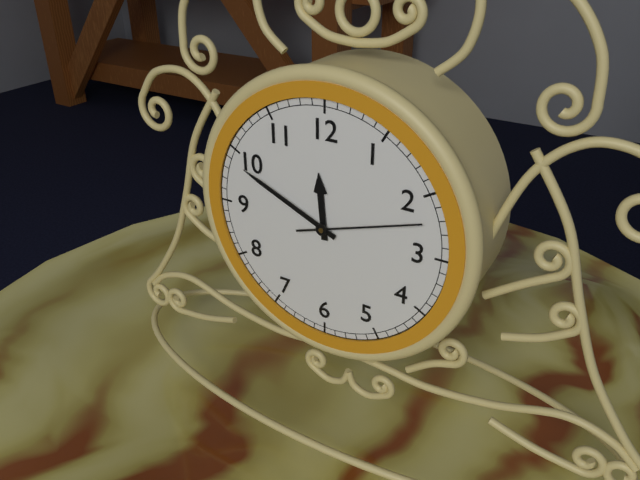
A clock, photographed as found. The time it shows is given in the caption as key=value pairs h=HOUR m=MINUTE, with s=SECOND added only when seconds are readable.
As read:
h=11 m=49 s=12
